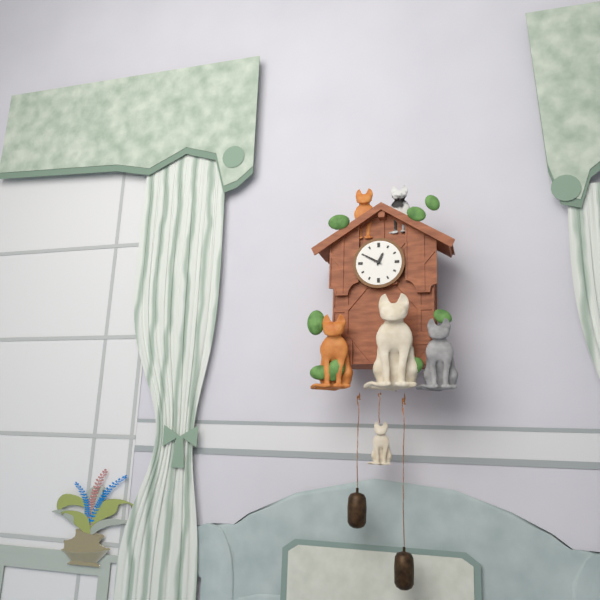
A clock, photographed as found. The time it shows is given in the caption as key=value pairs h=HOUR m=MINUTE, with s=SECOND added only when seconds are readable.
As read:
h=12 m=50
